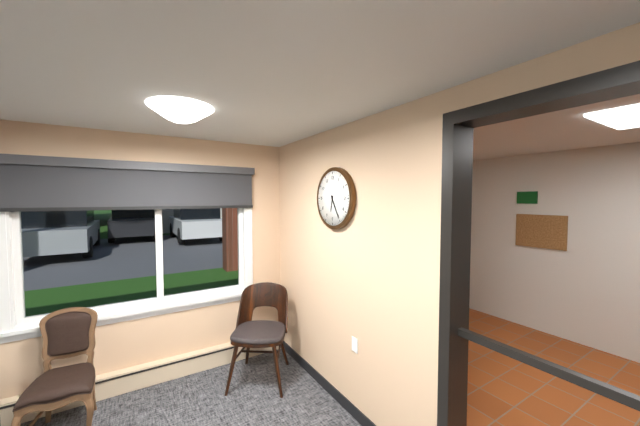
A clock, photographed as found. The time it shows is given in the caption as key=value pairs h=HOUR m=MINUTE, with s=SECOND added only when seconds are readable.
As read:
h=6 m=25
